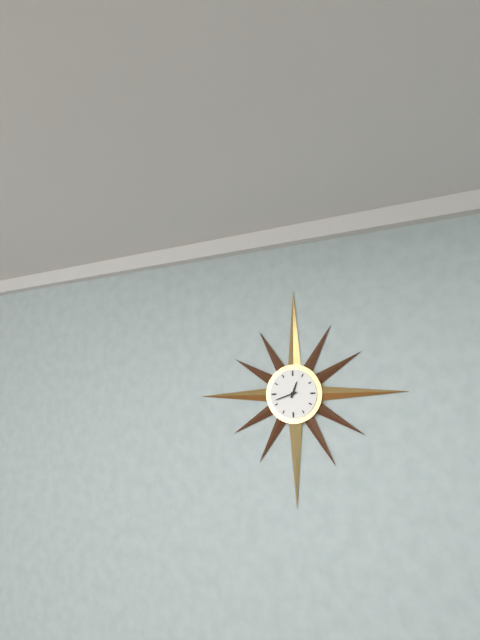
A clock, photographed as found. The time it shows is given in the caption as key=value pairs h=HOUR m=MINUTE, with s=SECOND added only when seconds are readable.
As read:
h=12 m=42
